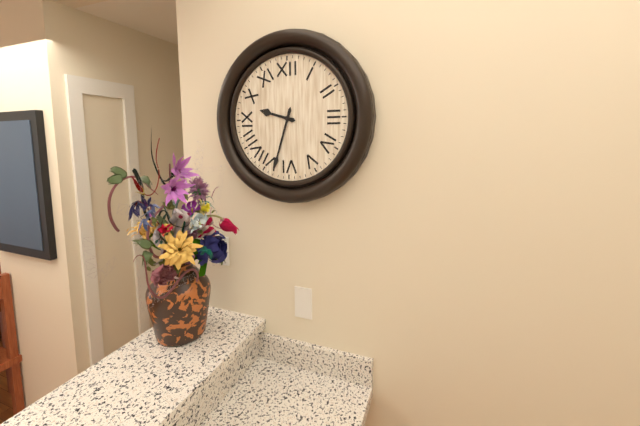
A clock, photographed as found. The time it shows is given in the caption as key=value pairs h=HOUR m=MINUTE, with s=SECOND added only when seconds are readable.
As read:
h=9 m=33
